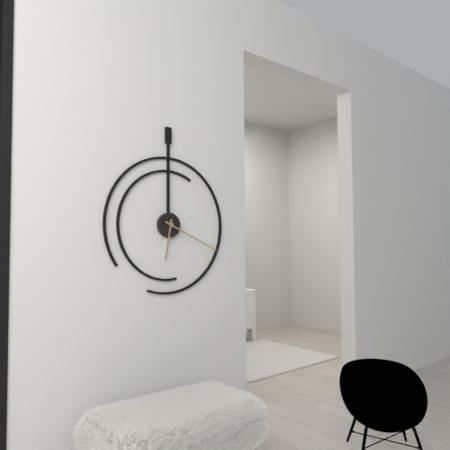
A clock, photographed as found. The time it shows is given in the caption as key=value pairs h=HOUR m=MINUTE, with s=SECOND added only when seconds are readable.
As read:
h=6 m=19
